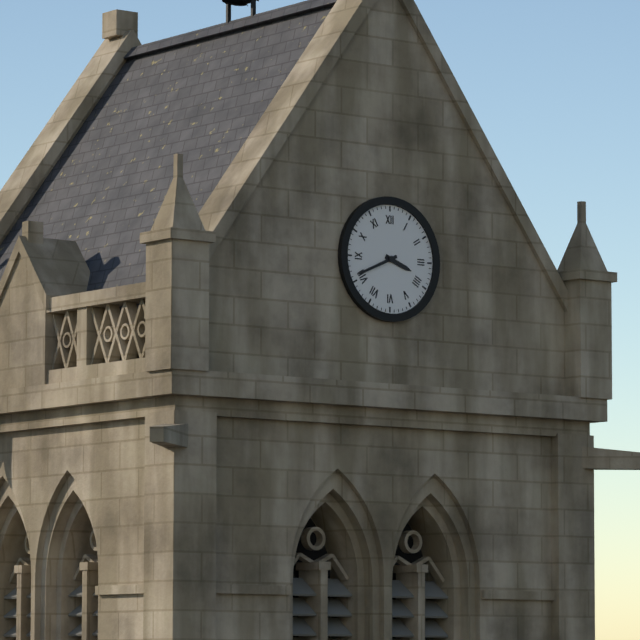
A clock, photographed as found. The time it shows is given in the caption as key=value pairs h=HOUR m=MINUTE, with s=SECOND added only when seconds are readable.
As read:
h=3 m=41
